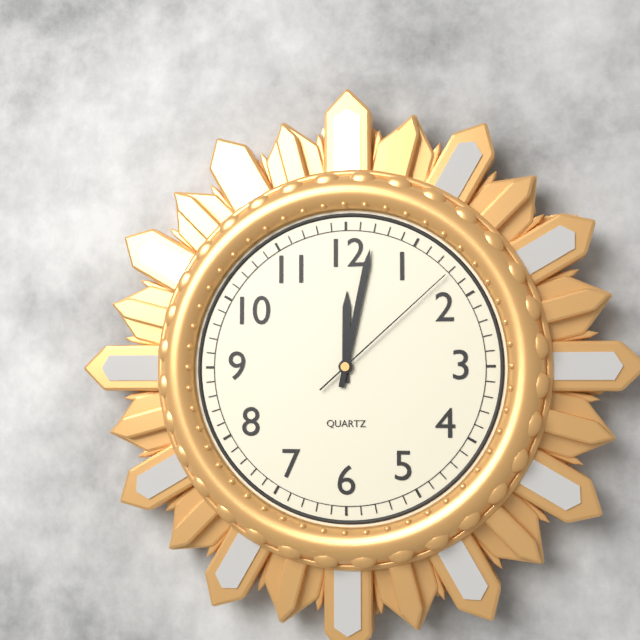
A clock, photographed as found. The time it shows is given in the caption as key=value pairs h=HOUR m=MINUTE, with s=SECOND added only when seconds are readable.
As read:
h=12 m=2 s=8
